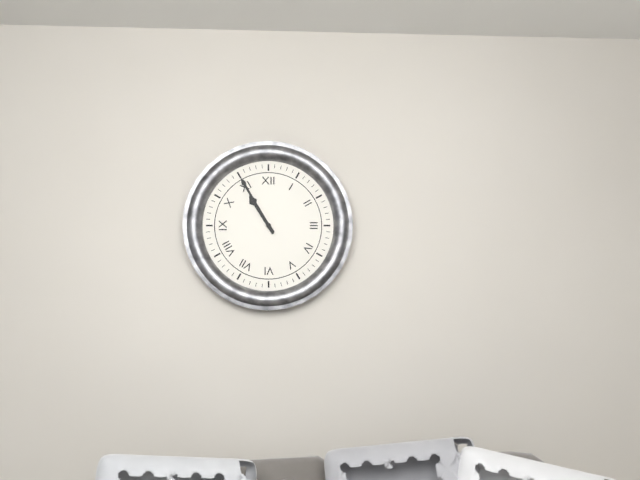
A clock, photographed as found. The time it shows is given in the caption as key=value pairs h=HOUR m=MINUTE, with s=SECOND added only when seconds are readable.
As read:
h=10 m=55
